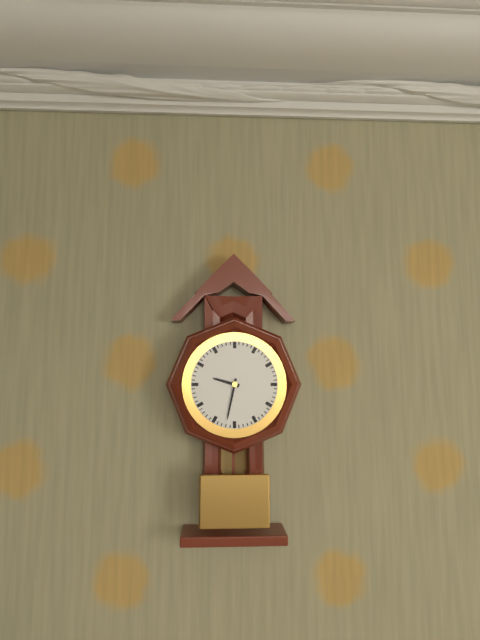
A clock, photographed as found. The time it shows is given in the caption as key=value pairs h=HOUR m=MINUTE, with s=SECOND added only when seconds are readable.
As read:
h=9 m=32
